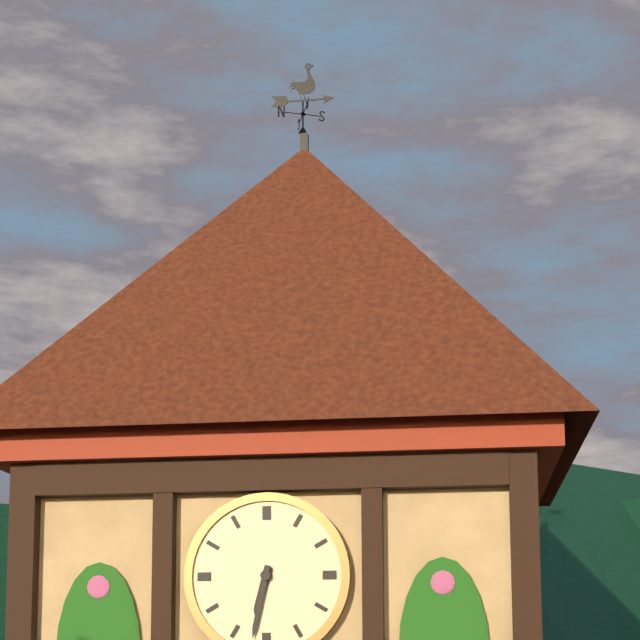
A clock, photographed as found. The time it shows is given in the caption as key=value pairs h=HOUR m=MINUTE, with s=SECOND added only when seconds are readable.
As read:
h=6 m=32
